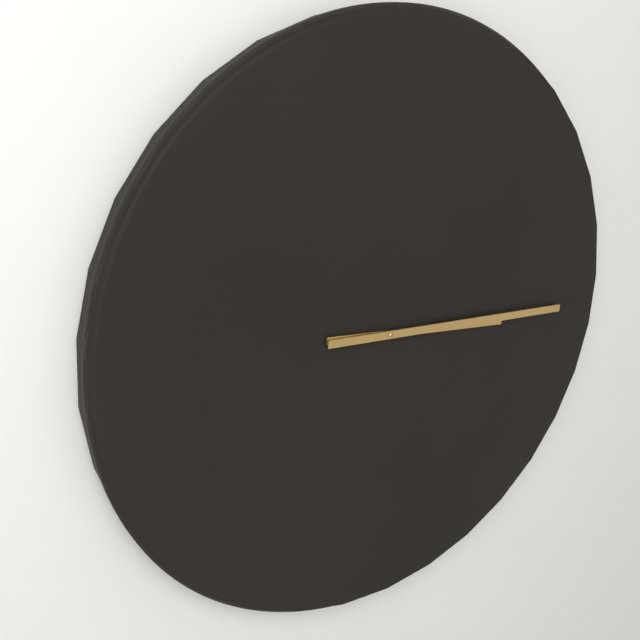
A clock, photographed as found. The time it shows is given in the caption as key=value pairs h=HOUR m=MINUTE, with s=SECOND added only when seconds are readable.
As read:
h=3 m=16
